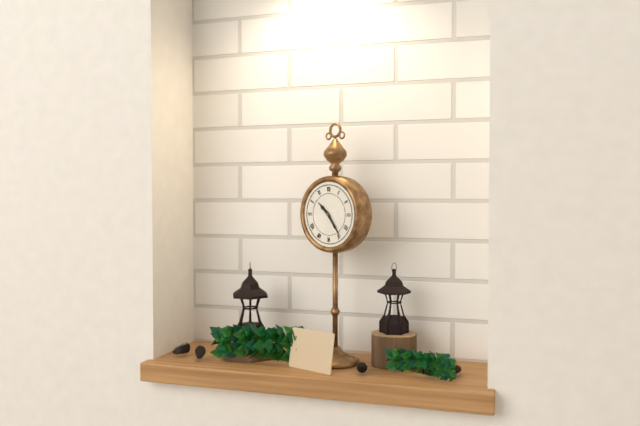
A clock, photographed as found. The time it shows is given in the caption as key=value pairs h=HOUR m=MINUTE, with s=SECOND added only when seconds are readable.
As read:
h=10 m=24
